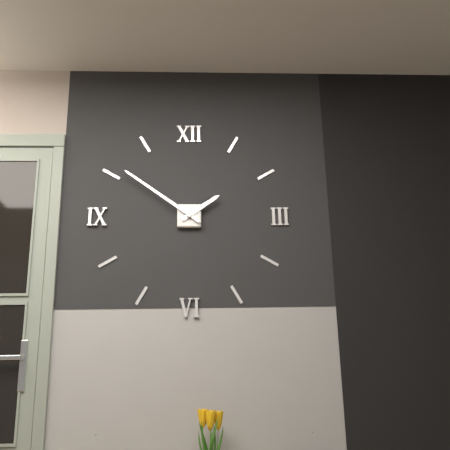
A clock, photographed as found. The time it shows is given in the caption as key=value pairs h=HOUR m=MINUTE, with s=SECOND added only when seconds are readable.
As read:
h=1 m=51
